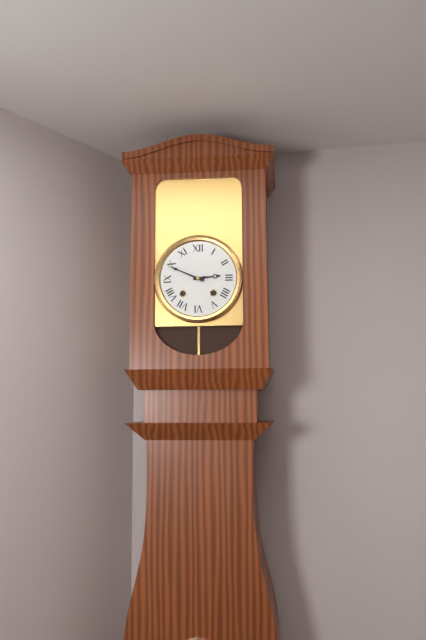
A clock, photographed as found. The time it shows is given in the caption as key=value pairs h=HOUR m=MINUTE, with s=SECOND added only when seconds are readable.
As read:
h=2 m=49
